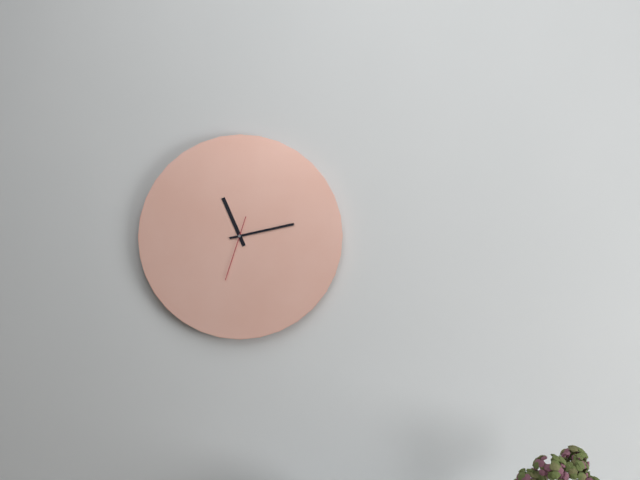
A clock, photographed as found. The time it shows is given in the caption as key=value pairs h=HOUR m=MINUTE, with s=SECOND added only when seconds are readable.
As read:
h=11 m=13 s=33
